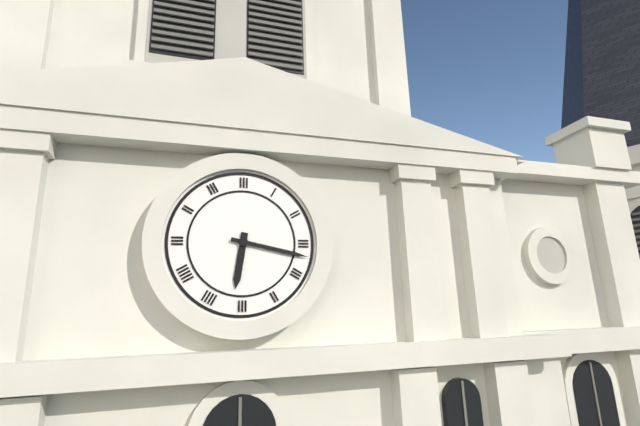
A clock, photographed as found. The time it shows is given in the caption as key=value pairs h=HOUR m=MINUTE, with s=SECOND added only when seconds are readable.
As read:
h=6 m=17
